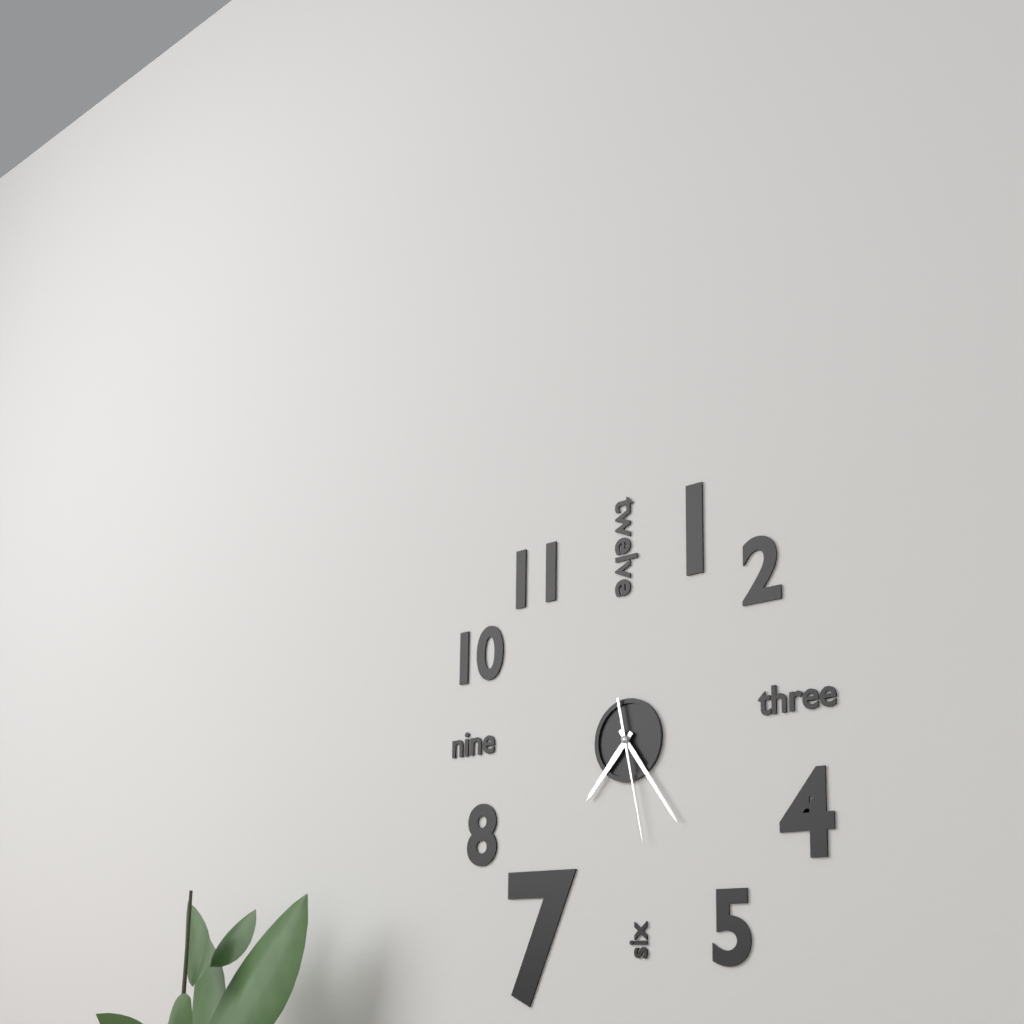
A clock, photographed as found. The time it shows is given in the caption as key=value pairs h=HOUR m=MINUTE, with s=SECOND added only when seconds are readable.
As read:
h=7 m=24 s=28
